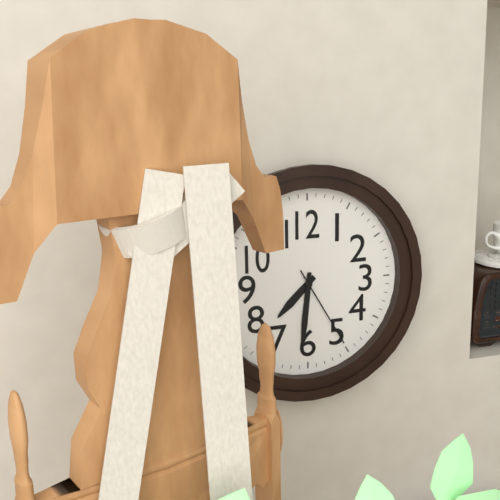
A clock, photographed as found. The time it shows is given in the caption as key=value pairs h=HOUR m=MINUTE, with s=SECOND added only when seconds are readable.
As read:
h=7 m=31 s=25
